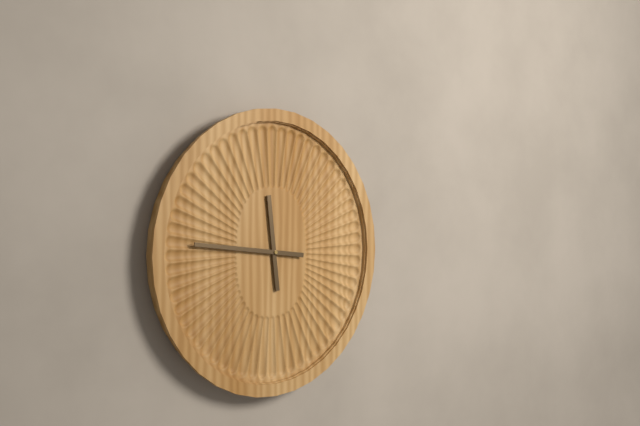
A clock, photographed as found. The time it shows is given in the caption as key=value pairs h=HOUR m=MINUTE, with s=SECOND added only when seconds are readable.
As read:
h=11 m=46
